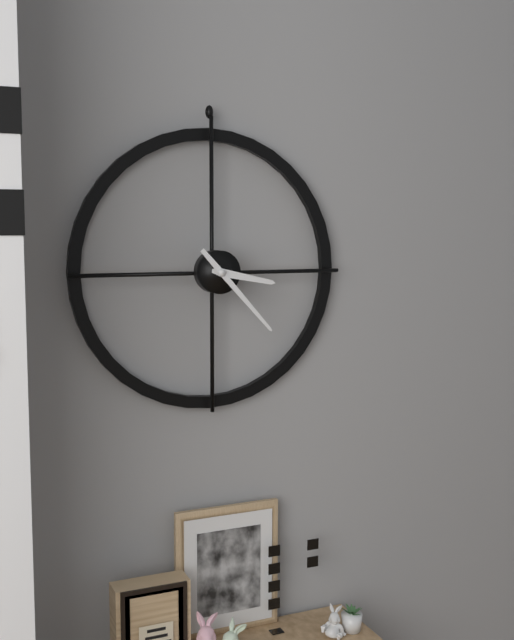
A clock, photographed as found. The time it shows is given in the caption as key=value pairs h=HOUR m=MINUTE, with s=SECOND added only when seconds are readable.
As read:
h=3 m=23
